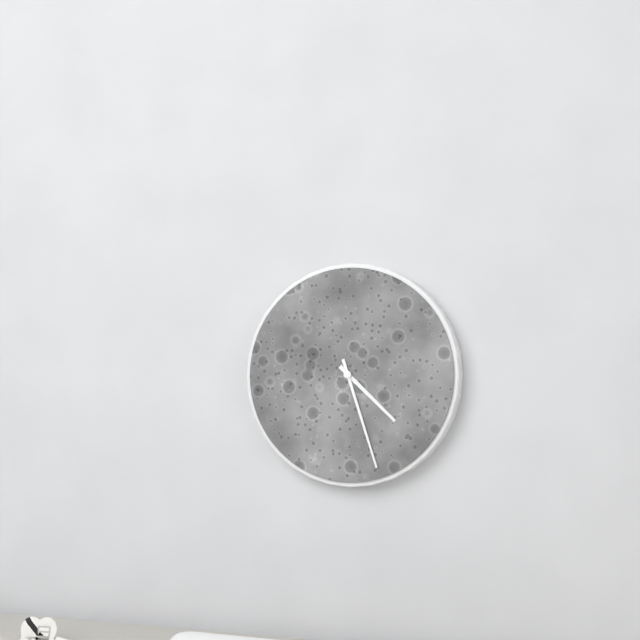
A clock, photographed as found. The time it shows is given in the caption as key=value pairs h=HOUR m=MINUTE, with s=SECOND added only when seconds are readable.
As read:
h=4 m=27
